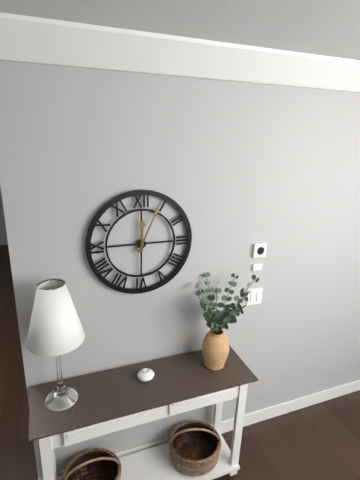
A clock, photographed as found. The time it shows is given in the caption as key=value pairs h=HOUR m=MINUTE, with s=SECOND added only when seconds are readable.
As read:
h=12 m=4
